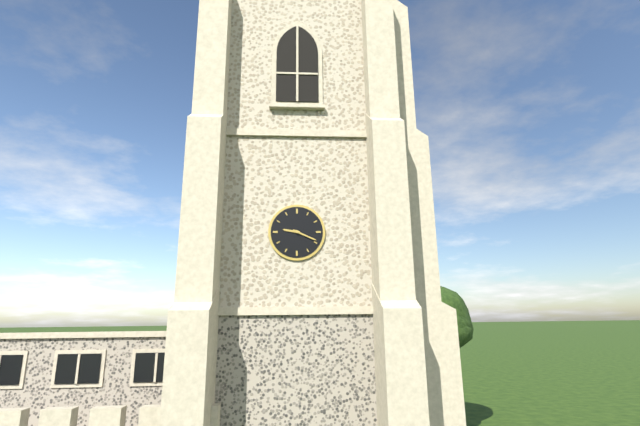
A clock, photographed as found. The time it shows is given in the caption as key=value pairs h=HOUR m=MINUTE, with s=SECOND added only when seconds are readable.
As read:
h=9 m=19
